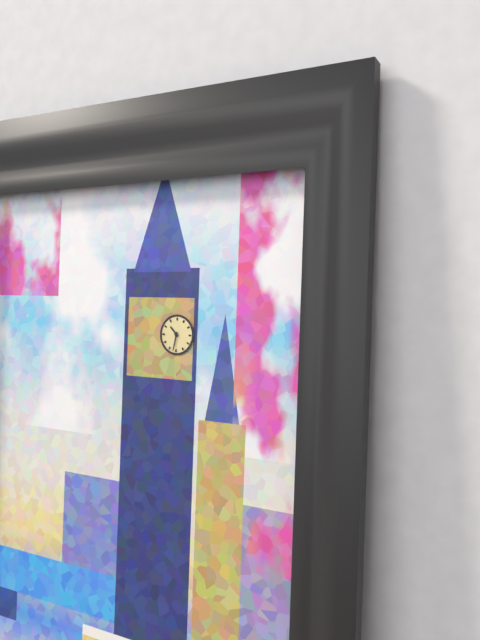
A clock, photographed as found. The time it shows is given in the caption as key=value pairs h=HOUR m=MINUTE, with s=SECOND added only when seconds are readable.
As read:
h=10 m=32
